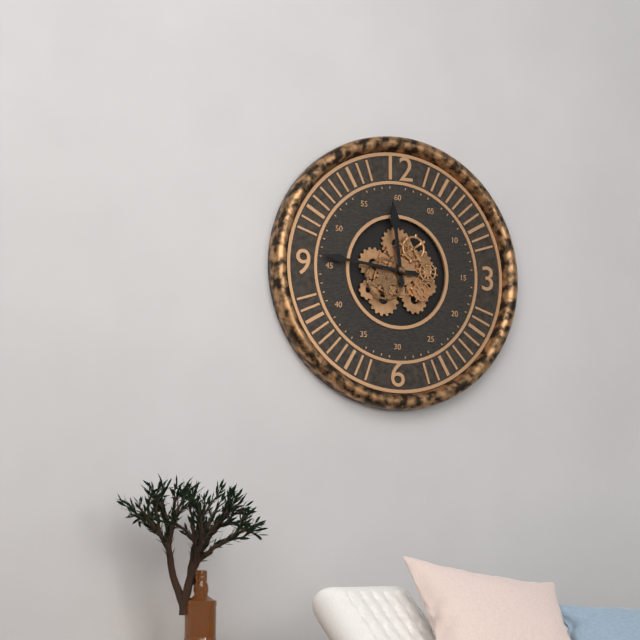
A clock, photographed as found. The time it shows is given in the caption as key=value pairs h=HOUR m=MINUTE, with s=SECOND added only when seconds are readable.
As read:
h=11 m=46
